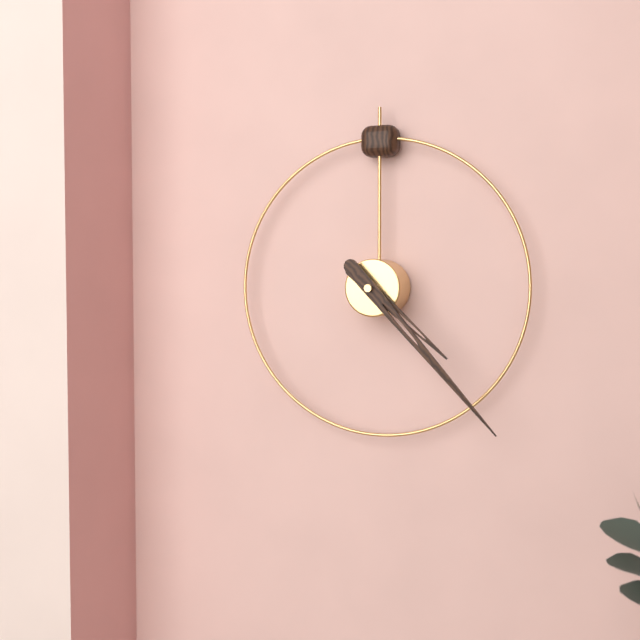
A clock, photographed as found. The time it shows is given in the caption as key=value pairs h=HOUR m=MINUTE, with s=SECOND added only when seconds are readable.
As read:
h=4 m=23
